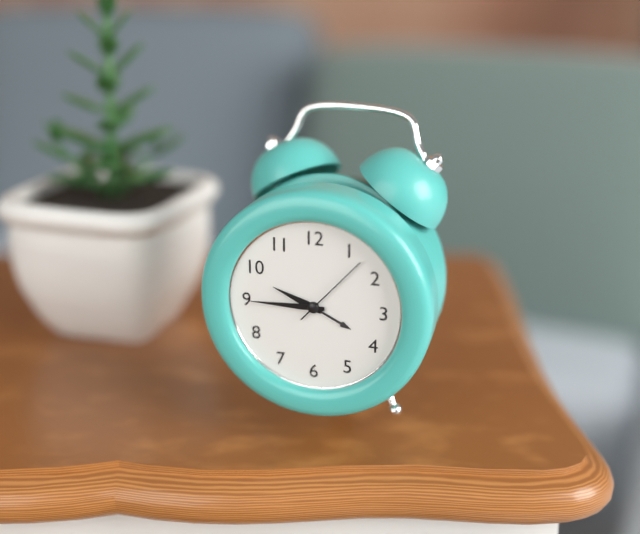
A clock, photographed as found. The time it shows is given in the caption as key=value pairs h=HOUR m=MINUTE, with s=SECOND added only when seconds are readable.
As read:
h=9 m=45 s=7
